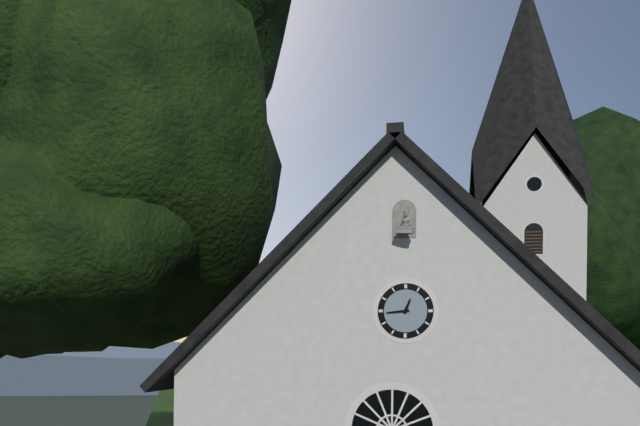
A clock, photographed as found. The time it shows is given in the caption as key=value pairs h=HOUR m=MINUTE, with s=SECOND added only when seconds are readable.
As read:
h=12 m=44
